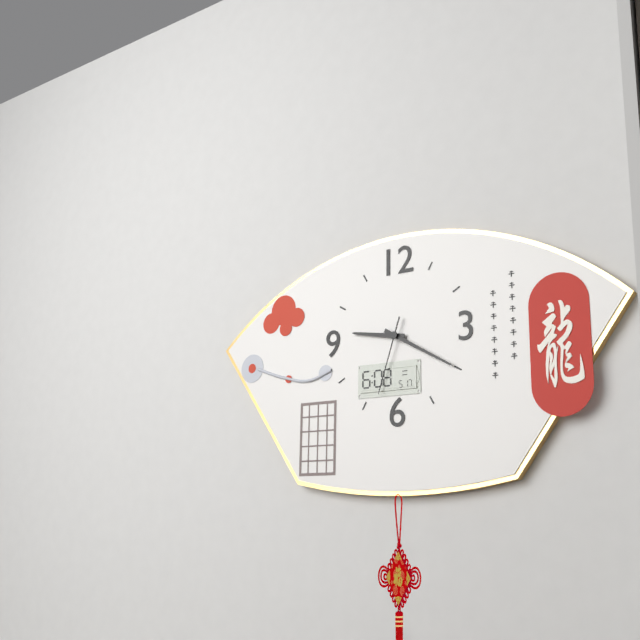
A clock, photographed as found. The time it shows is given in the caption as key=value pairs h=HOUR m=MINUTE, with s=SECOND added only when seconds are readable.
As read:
h=9 m=20 s=33
